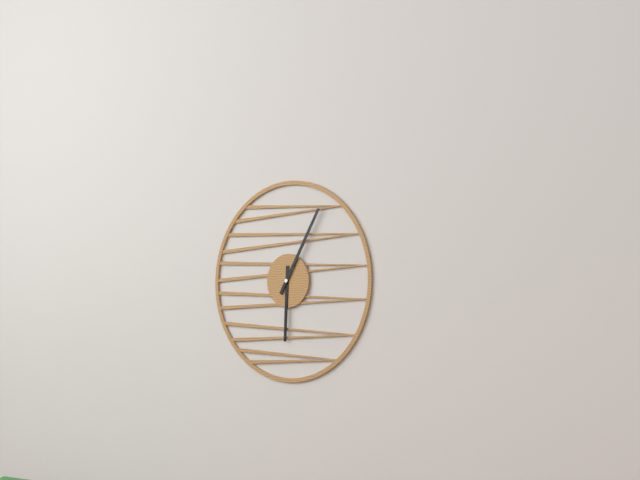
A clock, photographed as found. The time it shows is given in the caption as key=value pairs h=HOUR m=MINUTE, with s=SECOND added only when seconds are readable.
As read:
h=6 m=5
